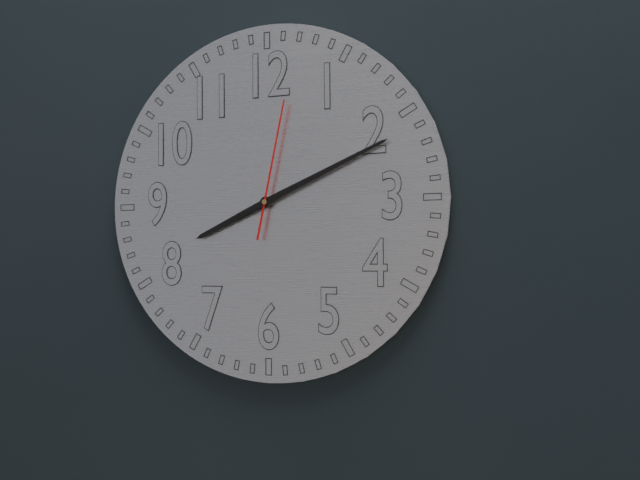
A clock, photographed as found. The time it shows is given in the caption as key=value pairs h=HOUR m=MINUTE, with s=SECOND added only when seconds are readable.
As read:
h=8 m=11 s=2
